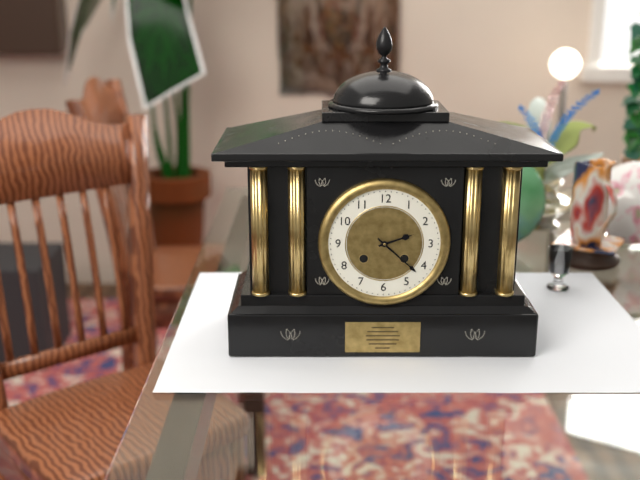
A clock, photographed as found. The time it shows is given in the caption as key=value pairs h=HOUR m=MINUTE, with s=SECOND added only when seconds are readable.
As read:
h=2 m=22
